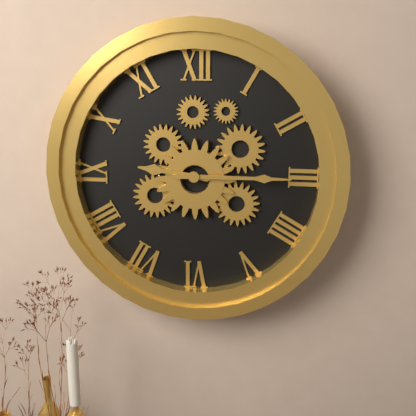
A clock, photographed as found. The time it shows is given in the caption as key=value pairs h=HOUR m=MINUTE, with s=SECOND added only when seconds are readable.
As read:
h=9 m=15
